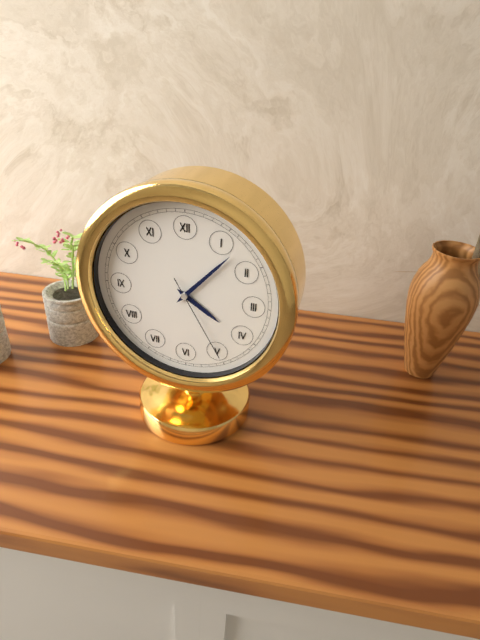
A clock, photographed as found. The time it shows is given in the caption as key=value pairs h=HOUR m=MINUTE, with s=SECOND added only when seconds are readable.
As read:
h=4 m=7 s=25
